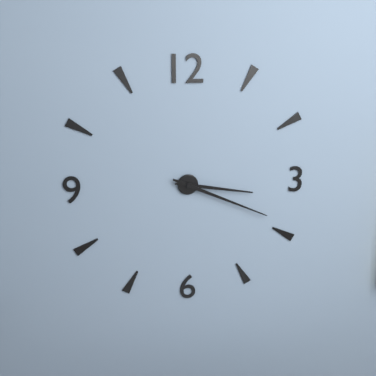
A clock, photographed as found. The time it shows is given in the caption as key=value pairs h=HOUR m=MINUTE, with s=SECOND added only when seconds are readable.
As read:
h=3 m=19
